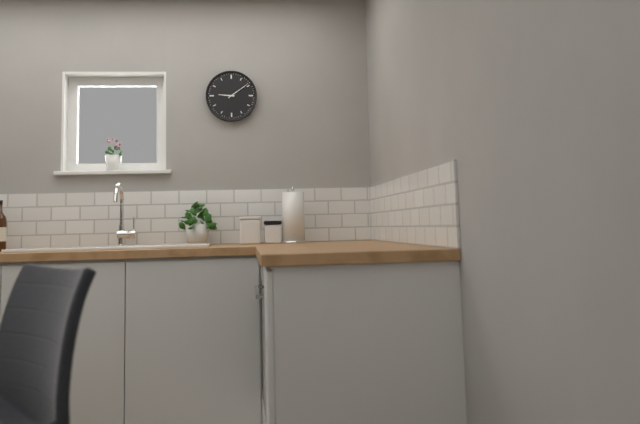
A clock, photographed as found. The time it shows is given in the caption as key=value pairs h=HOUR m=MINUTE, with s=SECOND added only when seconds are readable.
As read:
h=9 m=9
